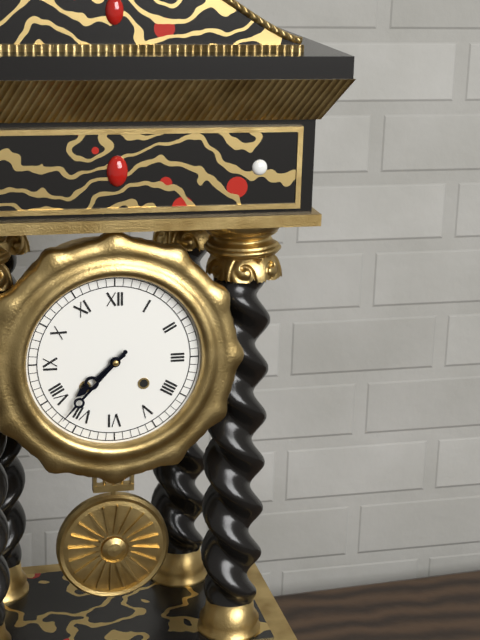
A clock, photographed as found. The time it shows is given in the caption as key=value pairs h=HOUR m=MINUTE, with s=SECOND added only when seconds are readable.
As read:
h=7 m=37
